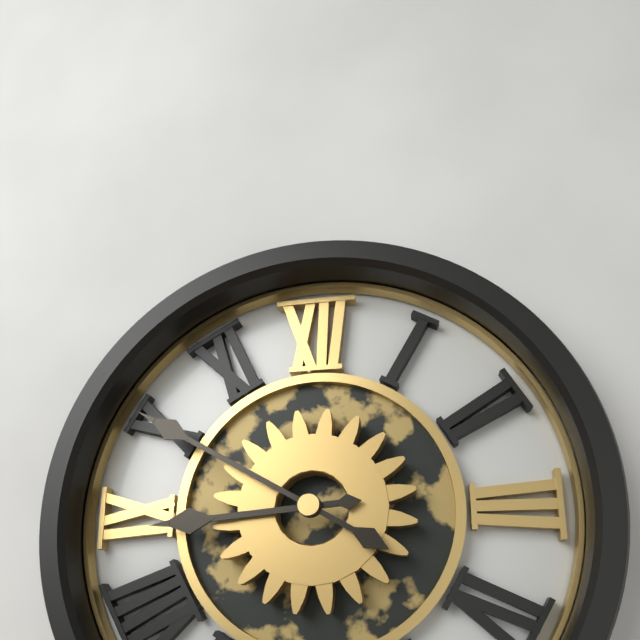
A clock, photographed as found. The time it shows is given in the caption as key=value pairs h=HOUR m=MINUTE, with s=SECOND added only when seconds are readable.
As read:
h=8 m=50
